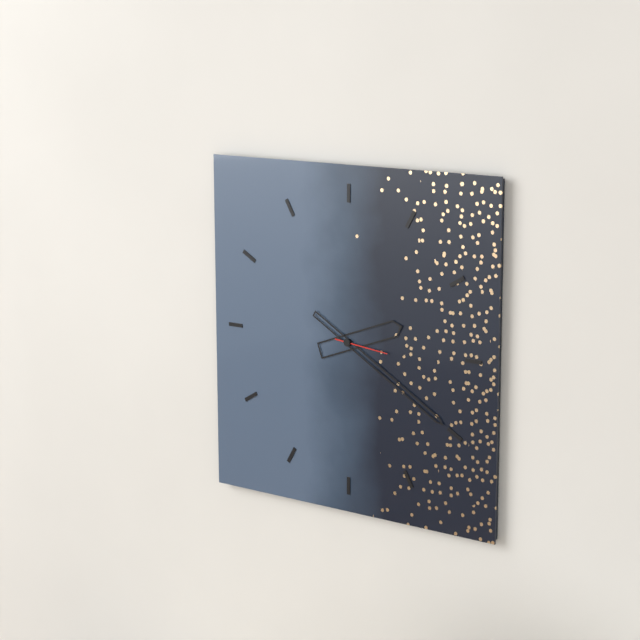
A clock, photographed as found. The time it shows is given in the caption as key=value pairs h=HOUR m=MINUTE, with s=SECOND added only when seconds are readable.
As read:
h=2 m=20 s=16
